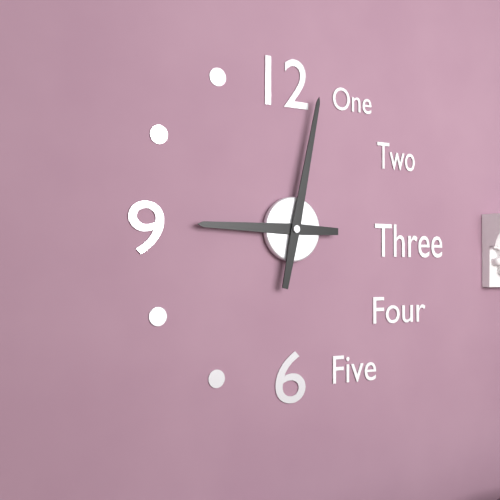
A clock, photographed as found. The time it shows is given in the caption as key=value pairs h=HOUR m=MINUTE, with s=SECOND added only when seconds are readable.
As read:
h=9 m=2
